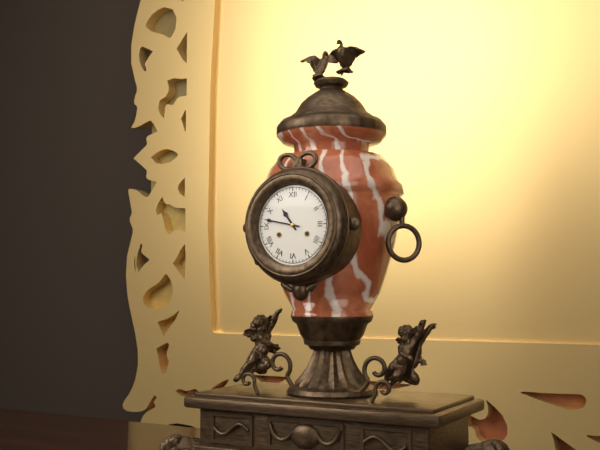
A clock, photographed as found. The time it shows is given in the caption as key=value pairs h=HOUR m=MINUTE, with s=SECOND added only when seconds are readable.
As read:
h=10 m=47
